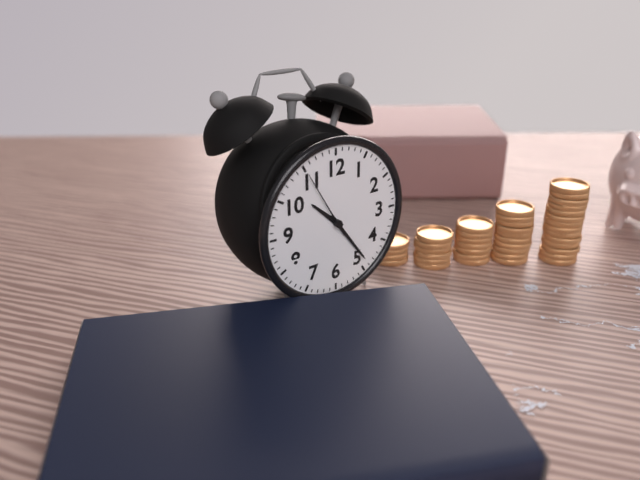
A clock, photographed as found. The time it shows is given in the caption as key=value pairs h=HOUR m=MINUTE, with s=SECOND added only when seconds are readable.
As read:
h=10 m=24 s=55
